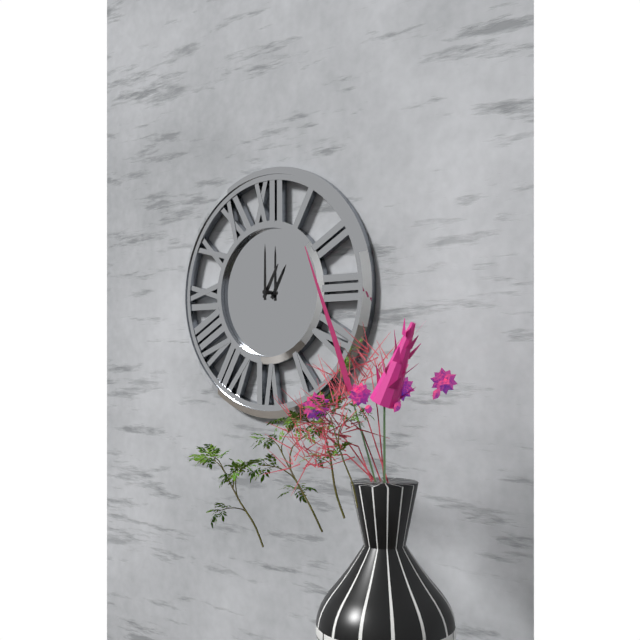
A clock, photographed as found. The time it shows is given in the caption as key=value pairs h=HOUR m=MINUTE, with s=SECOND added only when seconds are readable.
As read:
h=1 m=0
